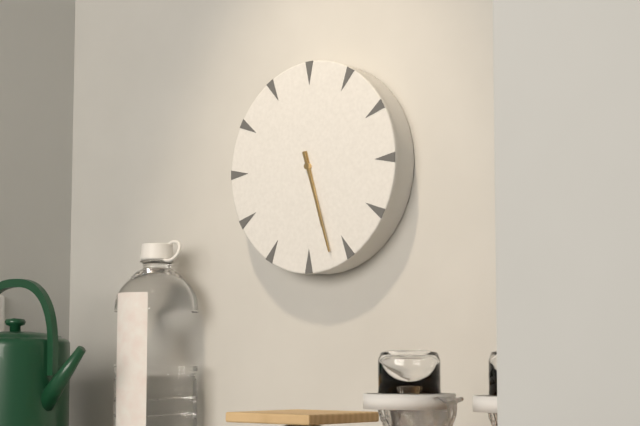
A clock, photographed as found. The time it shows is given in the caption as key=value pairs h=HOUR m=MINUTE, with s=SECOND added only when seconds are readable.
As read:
h=5 m=27
